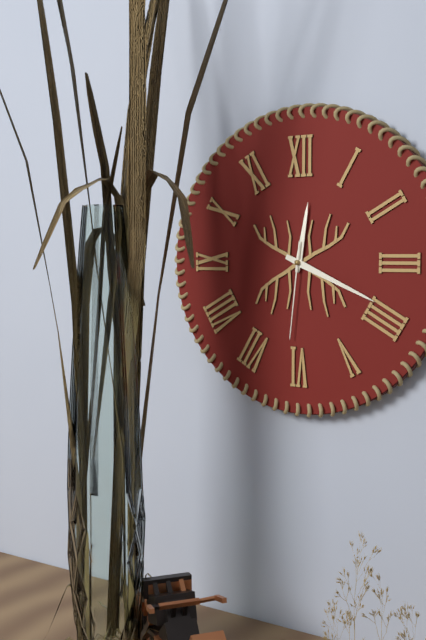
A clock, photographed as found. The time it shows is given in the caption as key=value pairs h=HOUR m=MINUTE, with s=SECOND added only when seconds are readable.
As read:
h=12 m=19 s=31
